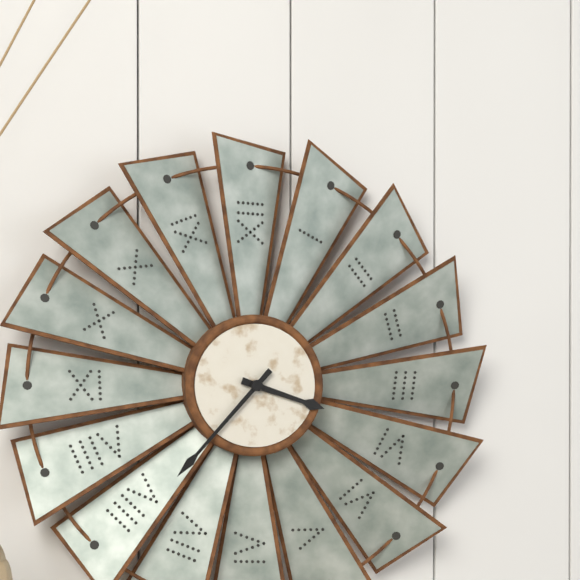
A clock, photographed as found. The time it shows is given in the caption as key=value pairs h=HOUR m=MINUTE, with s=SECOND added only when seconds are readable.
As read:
h=3 m=37
